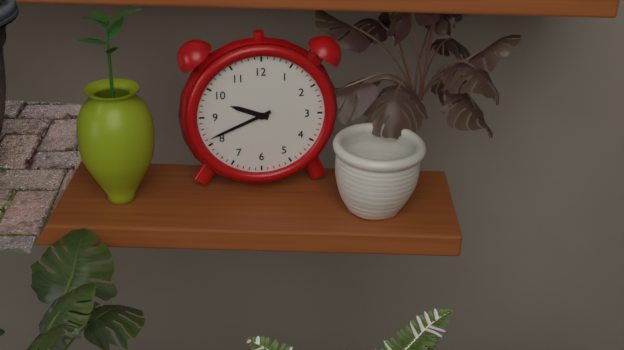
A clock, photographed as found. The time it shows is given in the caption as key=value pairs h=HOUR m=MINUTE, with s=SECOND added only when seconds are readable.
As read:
h=9 m=41
